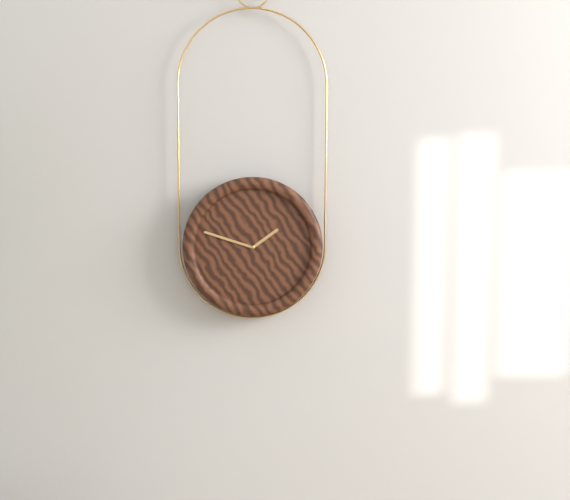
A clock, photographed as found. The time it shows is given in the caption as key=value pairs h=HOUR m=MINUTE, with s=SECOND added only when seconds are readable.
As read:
h=1 m=48
